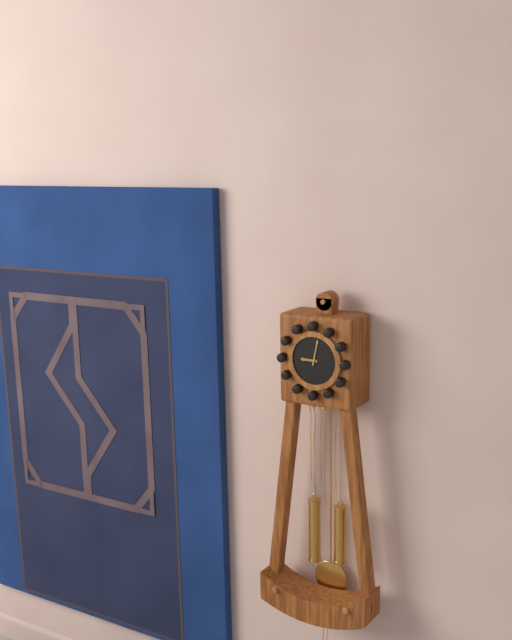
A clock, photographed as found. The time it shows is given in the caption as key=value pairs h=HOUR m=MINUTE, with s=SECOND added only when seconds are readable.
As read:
h=9 m=2
